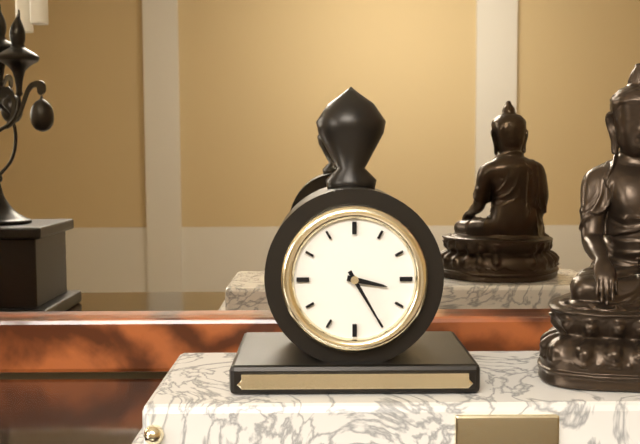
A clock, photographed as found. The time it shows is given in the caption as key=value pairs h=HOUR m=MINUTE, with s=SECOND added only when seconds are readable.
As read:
h=3 m=25
